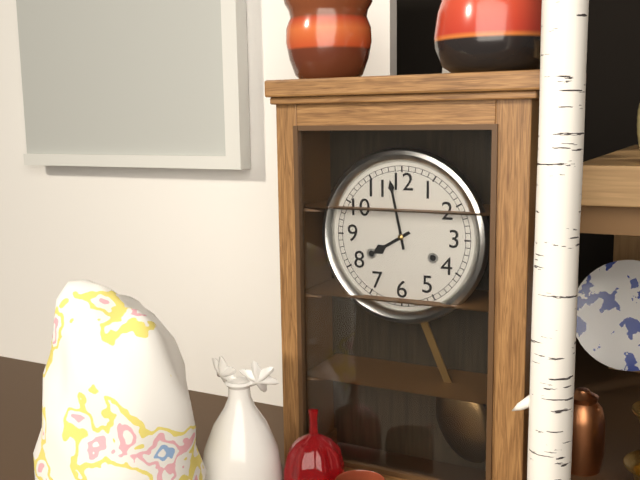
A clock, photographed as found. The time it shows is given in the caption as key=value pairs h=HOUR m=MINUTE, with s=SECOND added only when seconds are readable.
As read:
h=7 m=58
